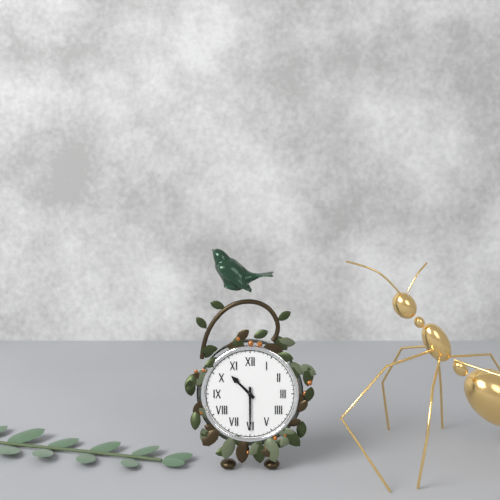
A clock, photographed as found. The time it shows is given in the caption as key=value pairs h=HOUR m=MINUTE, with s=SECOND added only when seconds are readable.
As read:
h=10 m=30
